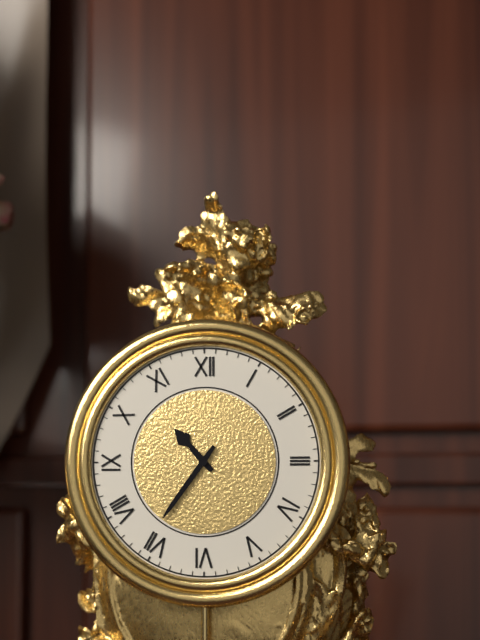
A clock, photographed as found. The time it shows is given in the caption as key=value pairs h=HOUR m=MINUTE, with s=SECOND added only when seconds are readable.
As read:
h=10 m=36
